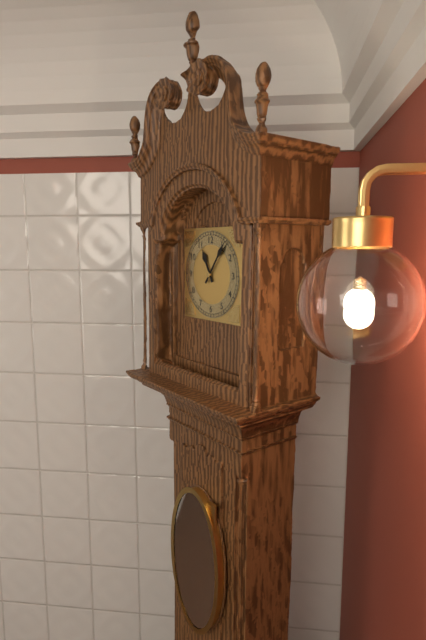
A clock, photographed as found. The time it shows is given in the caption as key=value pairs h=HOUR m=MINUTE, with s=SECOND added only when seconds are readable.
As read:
h=11 m=6
